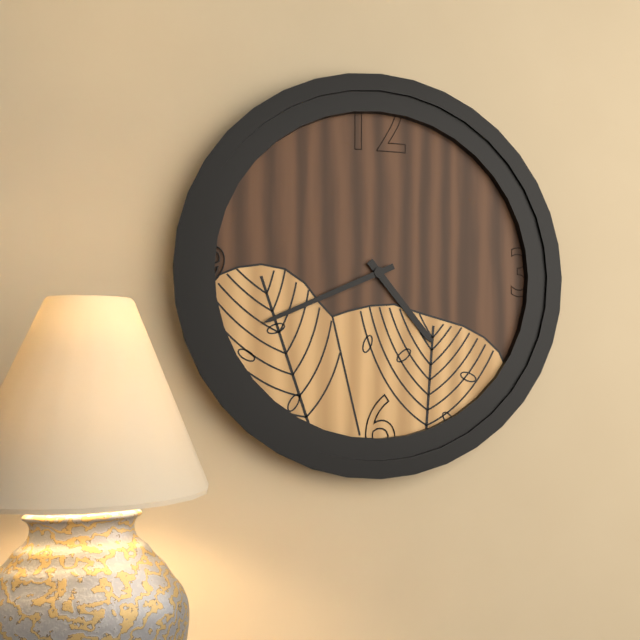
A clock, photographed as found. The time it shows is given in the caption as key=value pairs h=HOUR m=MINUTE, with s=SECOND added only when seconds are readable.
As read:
h=4 m=41
